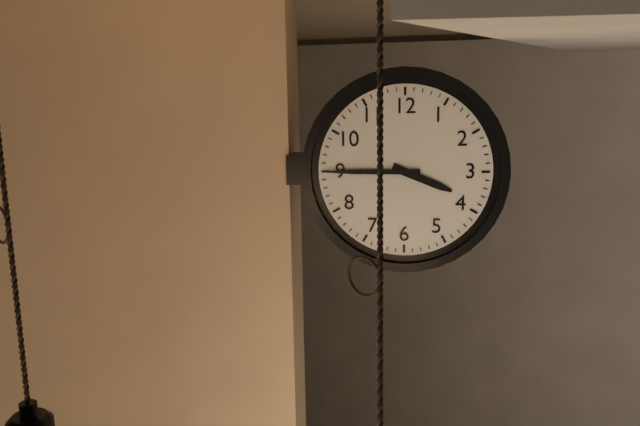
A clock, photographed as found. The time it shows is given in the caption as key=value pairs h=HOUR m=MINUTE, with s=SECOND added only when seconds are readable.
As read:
h=3 m=45
